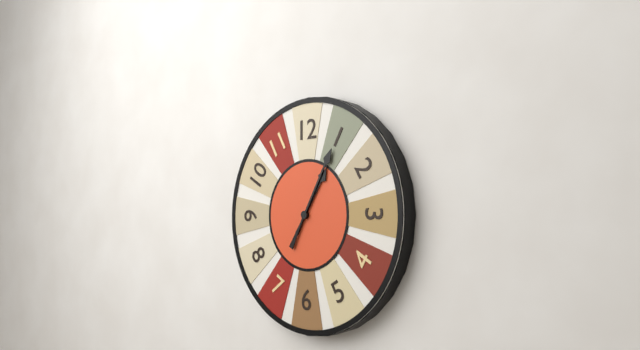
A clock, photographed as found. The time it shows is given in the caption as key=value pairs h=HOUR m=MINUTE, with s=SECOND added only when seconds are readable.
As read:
h=1 m=5
